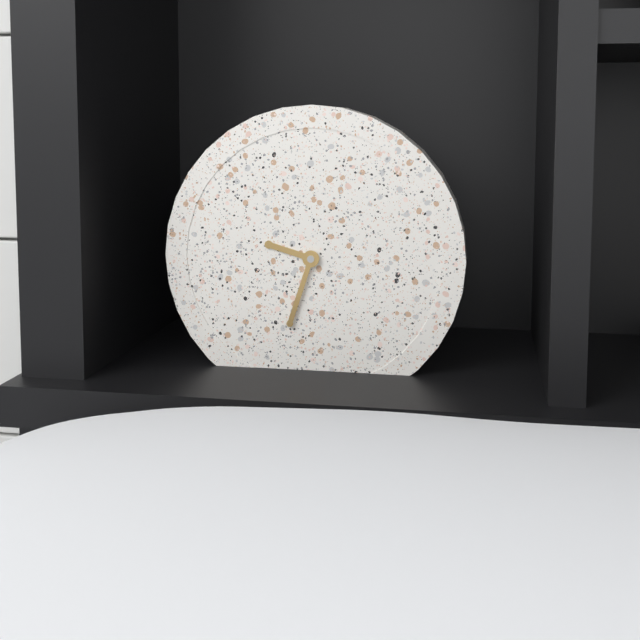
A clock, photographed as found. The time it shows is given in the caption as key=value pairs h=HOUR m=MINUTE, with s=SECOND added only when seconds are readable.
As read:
h=9 m=33
